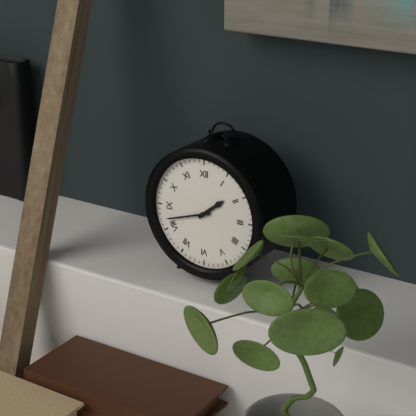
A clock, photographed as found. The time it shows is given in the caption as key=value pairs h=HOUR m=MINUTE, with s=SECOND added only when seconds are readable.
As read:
h=1 m=42
